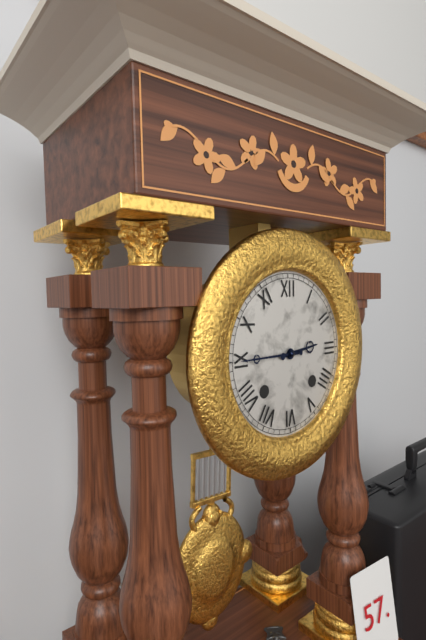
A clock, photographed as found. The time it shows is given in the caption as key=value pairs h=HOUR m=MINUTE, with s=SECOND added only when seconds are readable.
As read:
h=2 m=45
